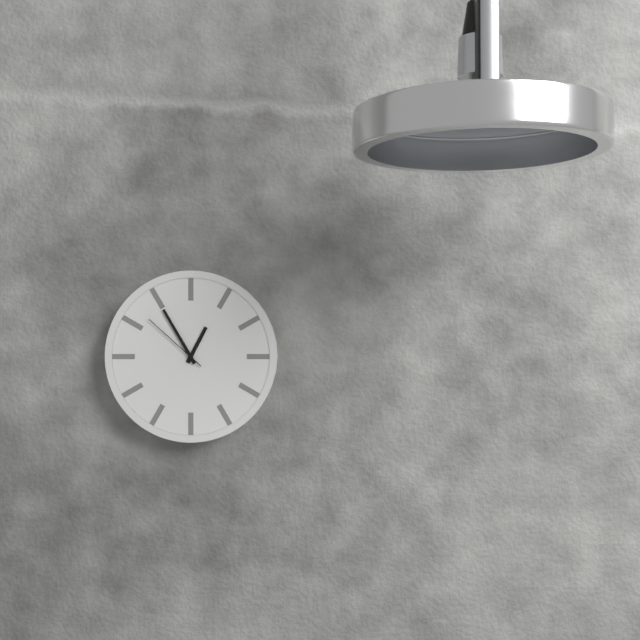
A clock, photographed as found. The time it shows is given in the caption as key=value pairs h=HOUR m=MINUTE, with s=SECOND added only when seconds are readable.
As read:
h=12 m=55 s=52
